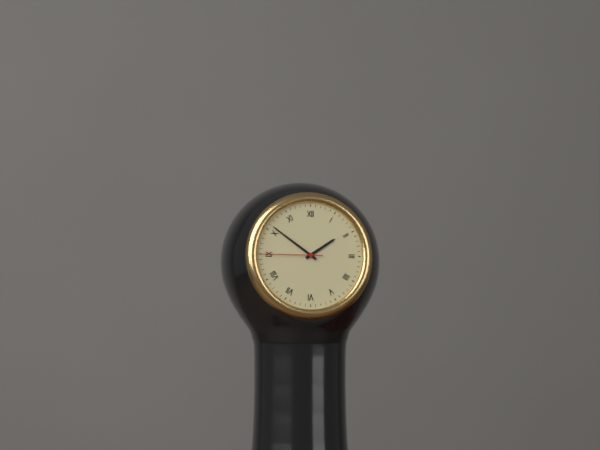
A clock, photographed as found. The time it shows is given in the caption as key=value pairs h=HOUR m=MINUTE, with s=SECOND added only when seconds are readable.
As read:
h=1 m=51 s=45
